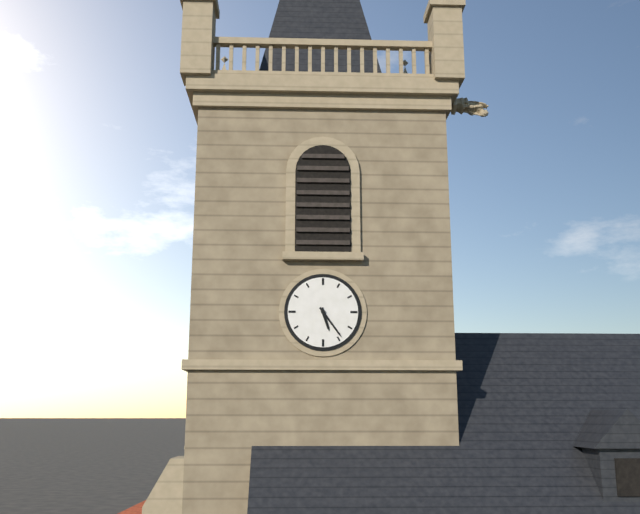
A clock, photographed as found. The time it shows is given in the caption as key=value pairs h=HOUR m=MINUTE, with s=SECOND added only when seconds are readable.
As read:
h=5 m=24
